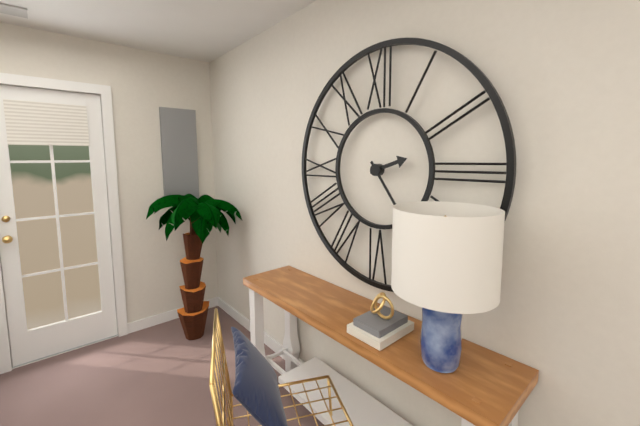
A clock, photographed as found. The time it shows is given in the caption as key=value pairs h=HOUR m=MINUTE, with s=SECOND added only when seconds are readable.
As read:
h=2 m=24
